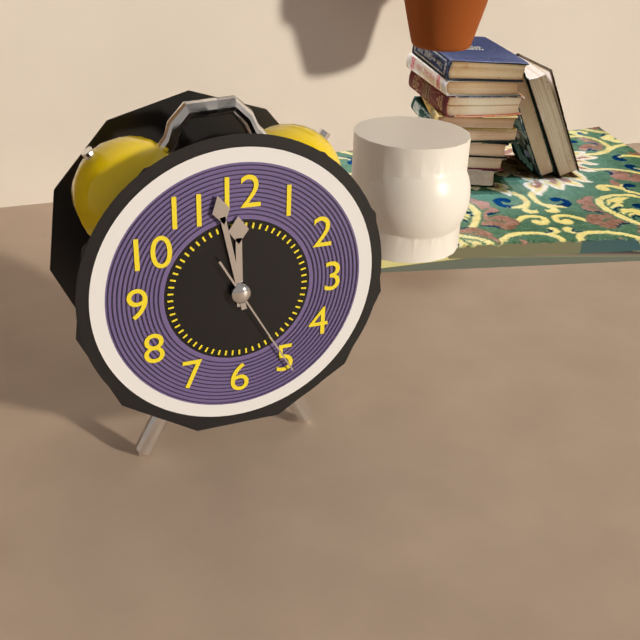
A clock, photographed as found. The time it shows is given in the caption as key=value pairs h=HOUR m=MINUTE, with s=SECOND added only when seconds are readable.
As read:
h=11 m=58 s=25
